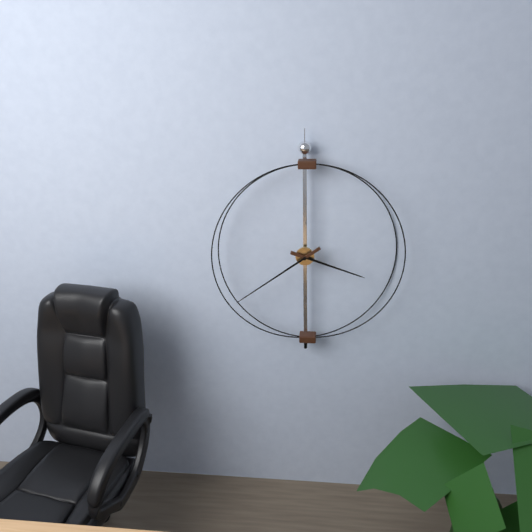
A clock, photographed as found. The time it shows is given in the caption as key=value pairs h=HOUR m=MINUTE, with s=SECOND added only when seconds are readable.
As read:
h=3 m=39
